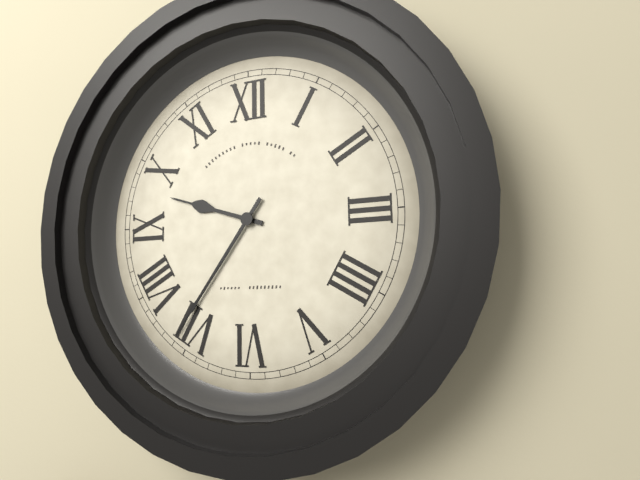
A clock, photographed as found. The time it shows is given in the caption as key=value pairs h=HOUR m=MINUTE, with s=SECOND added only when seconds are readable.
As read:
h=9 m=36
